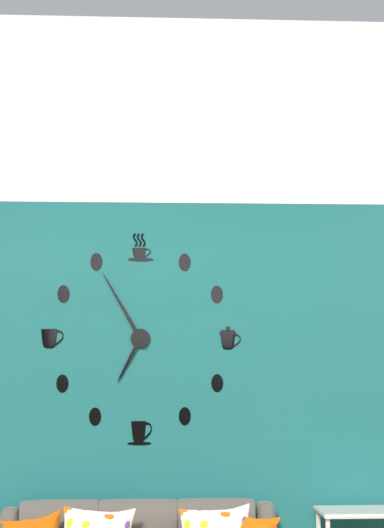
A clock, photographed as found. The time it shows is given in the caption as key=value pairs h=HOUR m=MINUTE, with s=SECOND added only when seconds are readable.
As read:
h=6 m=55
